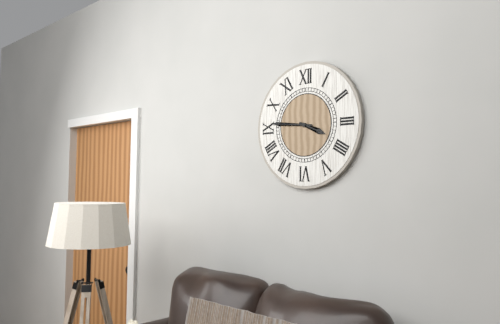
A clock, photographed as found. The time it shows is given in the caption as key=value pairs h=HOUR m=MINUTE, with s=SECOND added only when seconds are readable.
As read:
h=3 m=46
